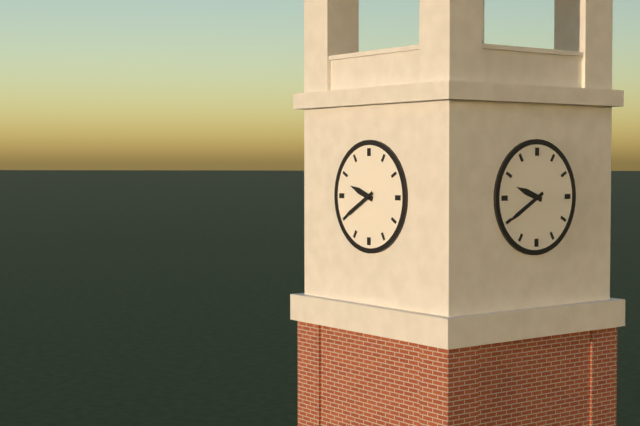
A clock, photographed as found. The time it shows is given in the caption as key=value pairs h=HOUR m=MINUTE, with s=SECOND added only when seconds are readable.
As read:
h=9 m=40
